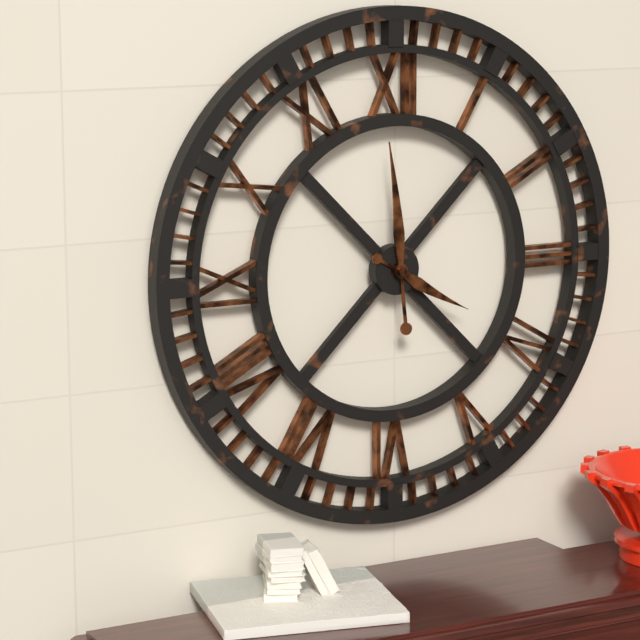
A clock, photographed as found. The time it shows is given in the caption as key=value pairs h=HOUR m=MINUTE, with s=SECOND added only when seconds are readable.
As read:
h=3 m=59
